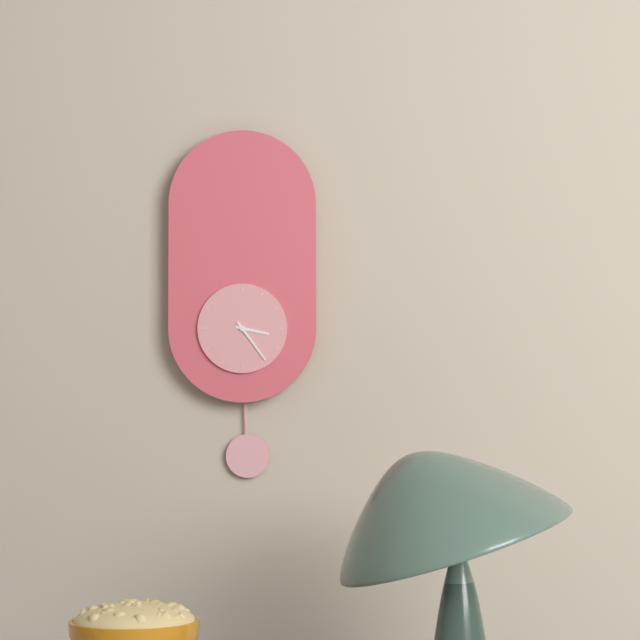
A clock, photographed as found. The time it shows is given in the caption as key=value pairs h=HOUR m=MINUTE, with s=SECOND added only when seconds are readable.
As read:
h=3 m=24
